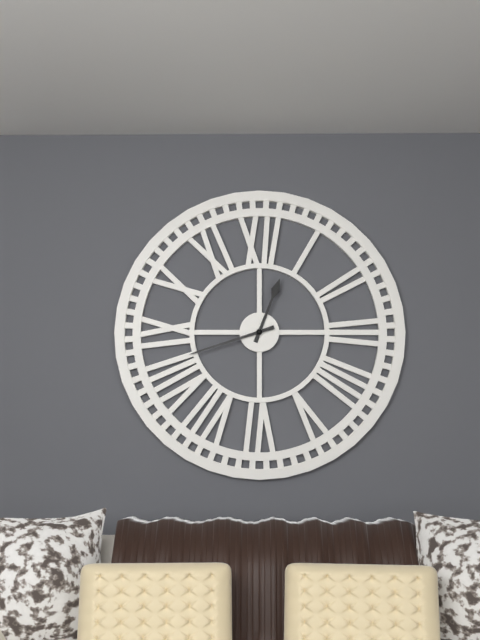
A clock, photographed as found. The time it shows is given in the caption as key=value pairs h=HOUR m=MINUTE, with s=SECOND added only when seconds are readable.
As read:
h=12 m=42
